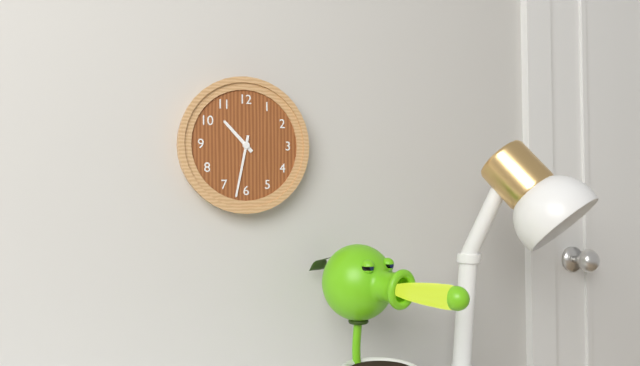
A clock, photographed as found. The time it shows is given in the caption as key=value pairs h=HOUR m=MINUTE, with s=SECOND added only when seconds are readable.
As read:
h=10 m=32
